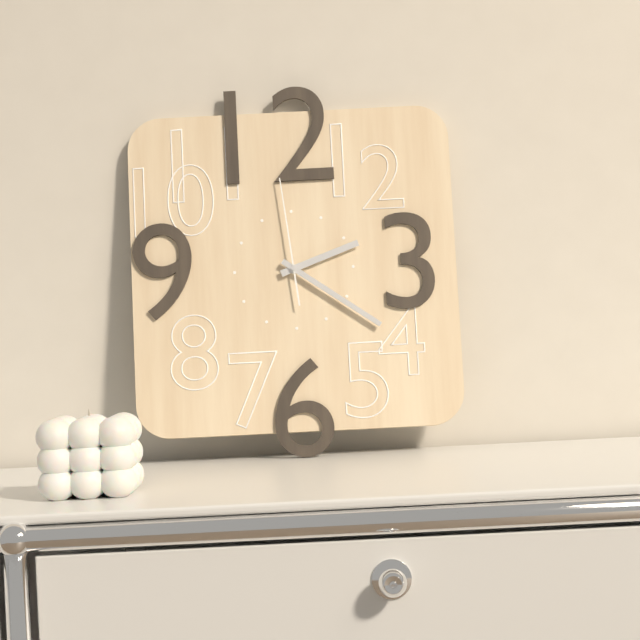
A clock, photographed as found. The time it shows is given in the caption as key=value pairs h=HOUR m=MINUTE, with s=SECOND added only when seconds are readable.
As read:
h=2 m=21 s=59
